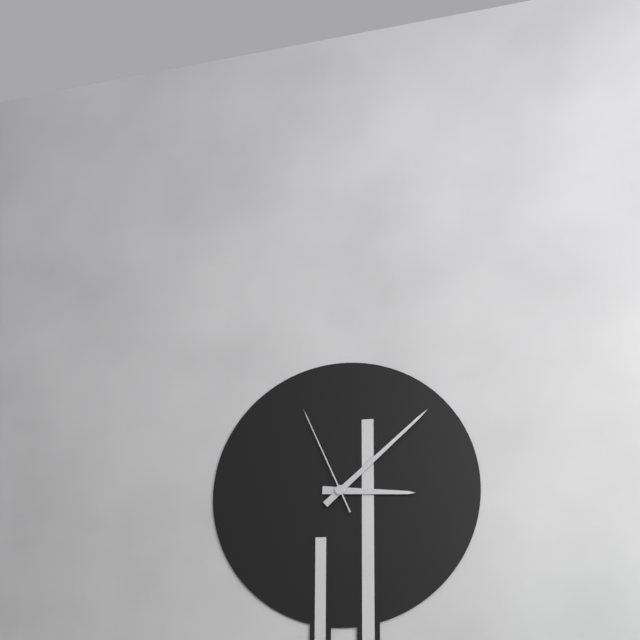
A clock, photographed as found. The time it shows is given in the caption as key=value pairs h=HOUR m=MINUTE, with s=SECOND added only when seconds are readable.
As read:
h=3 m=8 s=56
